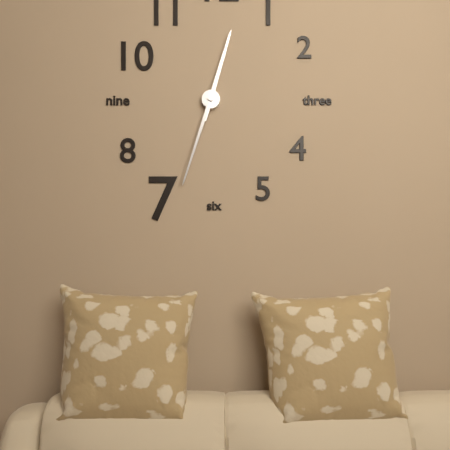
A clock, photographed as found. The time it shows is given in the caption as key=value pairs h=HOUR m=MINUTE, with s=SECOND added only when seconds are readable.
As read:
h=12 m=33
